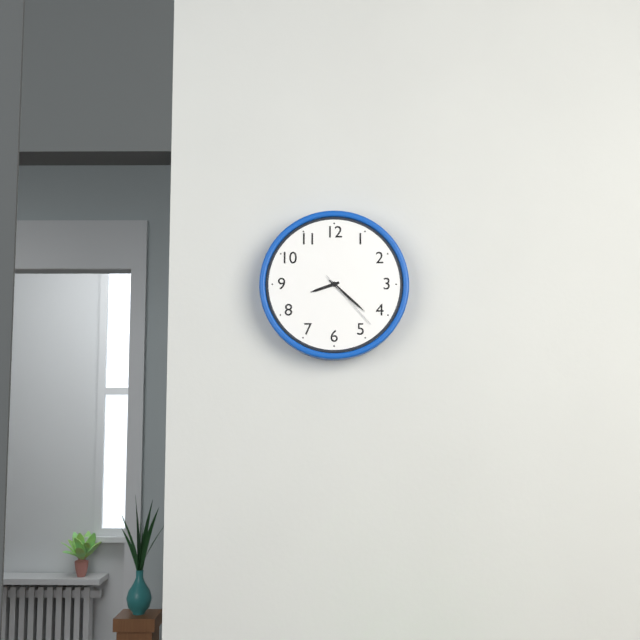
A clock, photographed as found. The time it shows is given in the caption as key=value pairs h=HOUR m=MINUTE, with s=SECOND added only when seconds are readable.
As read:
h=8 m=22 s=23
